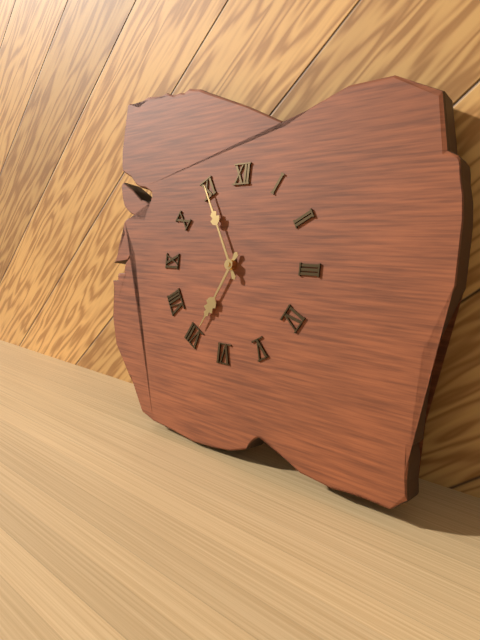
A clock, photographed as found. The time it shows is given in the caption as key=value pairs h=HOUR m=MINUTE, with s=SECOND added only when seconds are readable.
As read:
h=6 m=55
